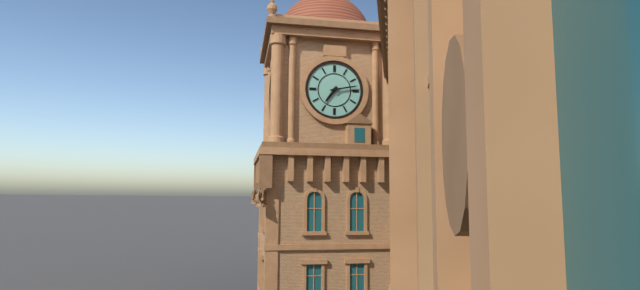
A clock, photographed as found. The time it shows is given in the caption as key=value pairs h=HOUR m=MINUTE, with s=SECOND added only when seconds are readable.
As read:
h=7 m=13
